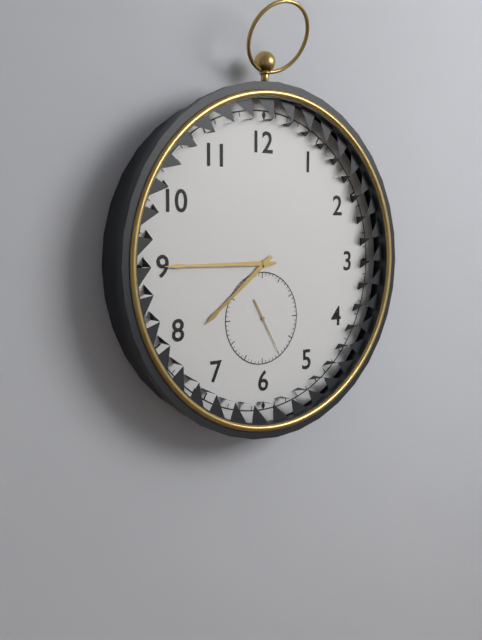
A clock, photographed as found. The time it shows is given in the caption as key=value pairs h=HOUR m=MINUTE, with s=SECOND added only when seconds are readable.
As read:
h=7 m=45
